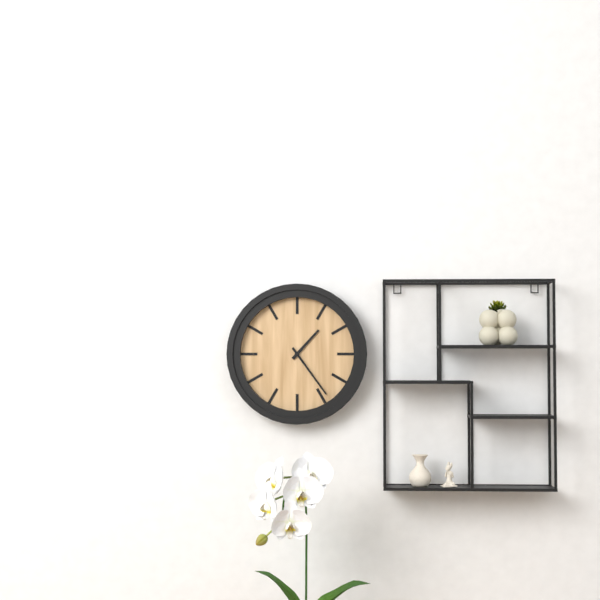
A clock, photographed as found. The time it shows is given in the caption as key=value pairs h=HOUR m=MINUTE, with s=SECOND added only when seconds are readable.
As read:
h=1 m=24
